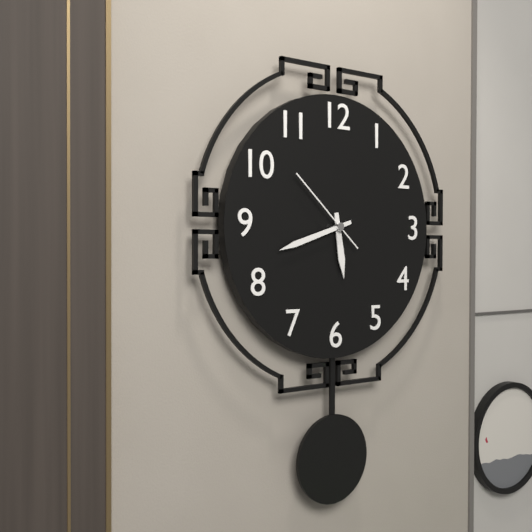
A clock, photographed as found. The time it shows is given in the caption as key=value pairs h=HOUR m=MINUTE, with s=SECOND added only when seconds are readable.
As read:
h=5 m=42 s=52
